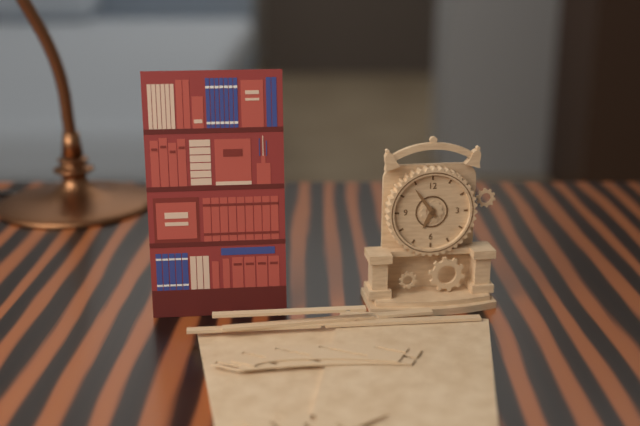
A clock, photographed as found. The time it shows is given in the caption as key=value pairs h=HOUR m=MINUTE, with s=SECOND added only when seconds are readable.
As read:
h=6 m=54
